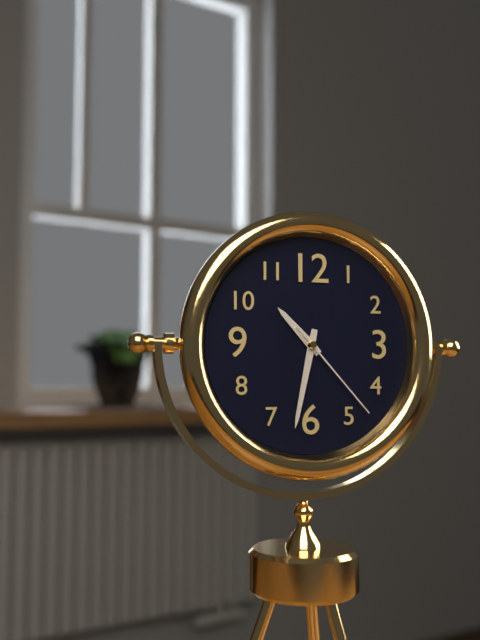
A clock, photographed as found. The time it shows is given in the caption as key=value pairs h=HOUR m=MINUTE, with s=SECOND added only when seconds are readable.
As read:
h=10 m=32 s=23
